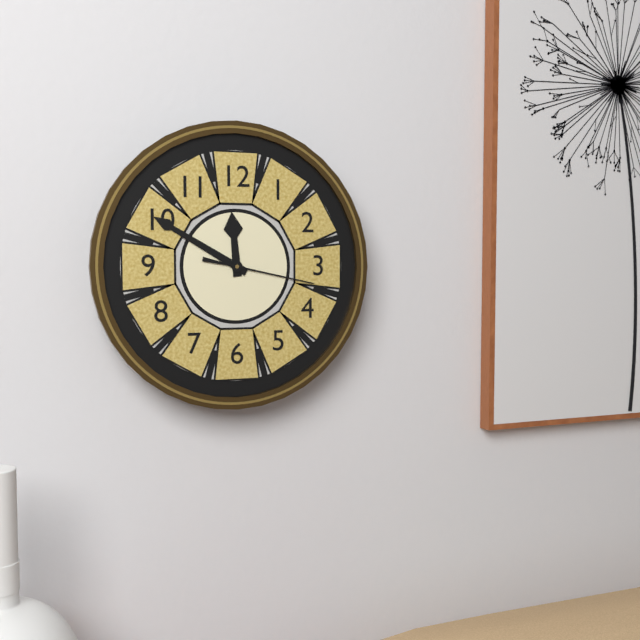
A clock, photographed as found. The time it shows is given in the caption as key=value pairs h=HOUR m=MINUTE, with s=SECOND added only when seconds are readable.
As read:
h=11 m=50 s=17
